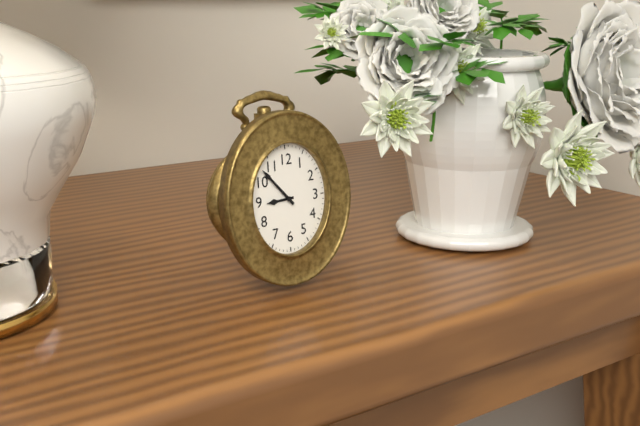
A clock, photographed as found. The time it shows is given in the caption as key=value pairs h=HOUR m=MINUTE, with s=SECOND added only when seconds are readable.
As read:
h=8 m=53
